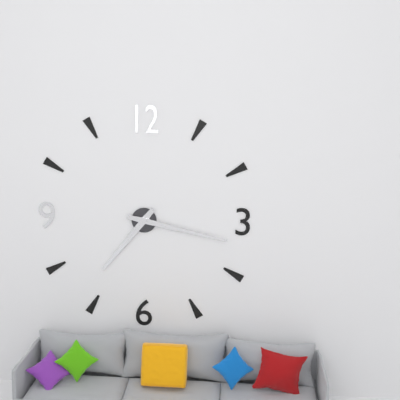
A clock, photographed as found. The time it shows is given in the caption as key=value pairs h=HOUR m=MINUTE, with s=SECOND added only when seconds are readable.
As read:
h=7 m=17
